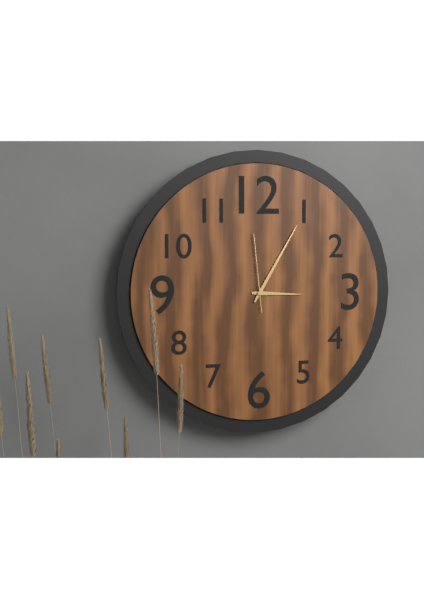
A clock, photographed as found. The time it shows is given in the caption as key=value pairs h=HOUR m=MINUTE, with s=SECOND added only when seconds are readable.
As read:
h=3 m=5 s=59
